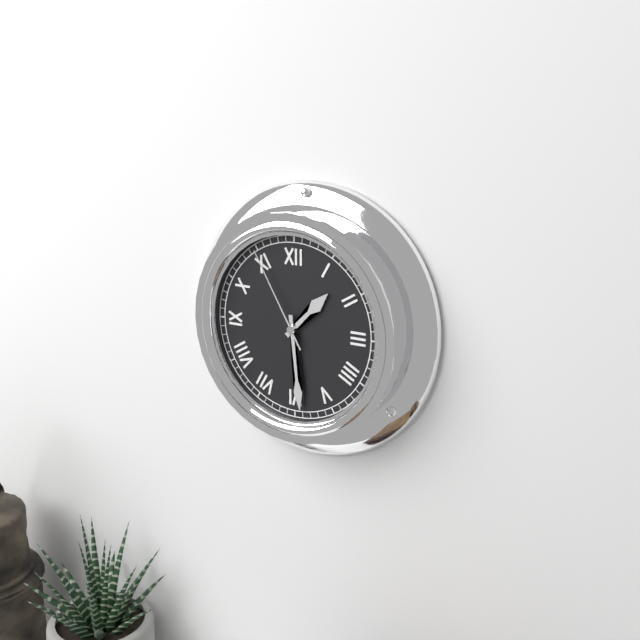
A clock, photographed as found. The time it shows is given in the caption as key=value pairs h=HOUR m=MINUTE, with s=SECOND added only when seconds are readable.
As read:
h=1 m=29 s=55
